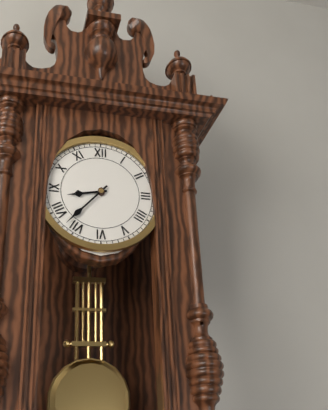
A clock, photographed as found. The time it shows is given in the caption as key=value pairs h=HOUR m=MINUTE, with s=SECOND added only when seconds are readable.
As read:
h=8 m=37
